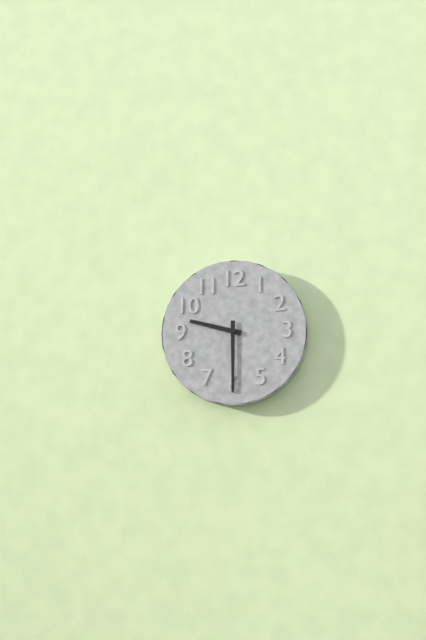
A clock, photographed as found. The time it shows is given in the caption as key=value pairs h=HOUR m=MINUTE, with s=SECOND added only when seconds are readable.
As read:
h=9 m=30
